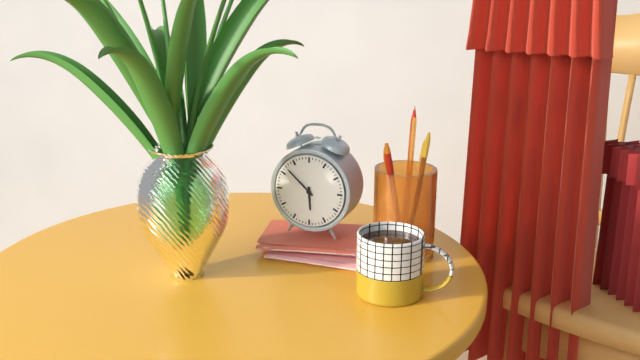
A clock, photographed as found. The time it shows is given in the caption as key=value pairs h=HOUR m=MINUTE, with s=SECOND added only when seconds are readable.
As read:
h=5 m=52
